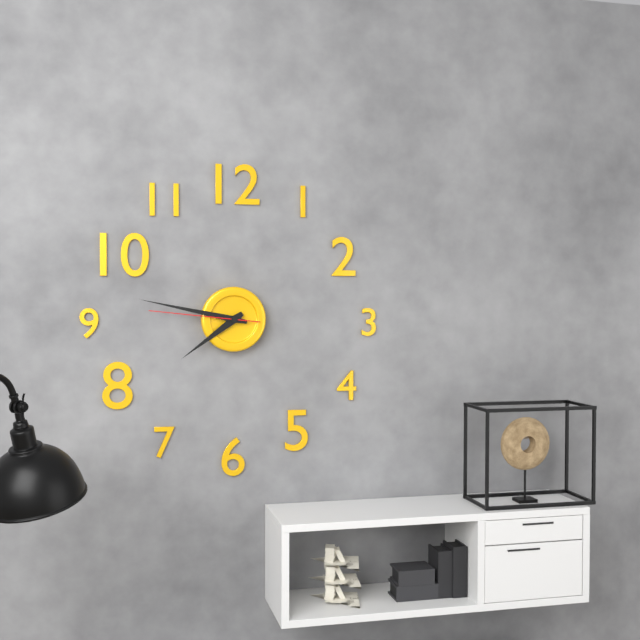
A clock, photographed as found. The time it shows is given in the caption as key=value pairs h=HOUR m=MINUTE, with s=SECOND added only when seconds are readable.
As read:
h=7 m=47 s=46
